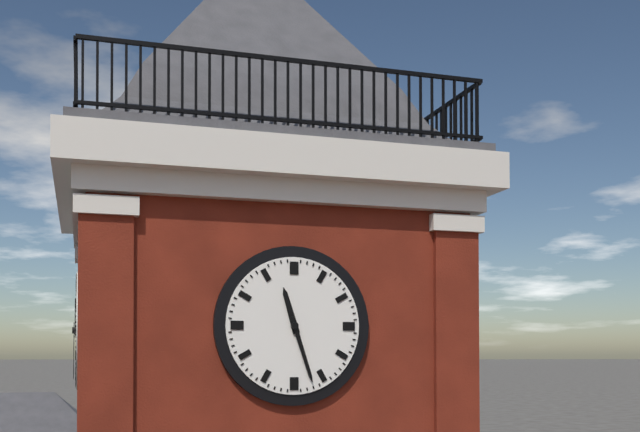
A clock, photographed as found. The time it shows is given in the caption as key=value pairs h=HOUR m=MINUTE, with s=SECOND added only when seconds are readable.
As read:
h=11 m=27
